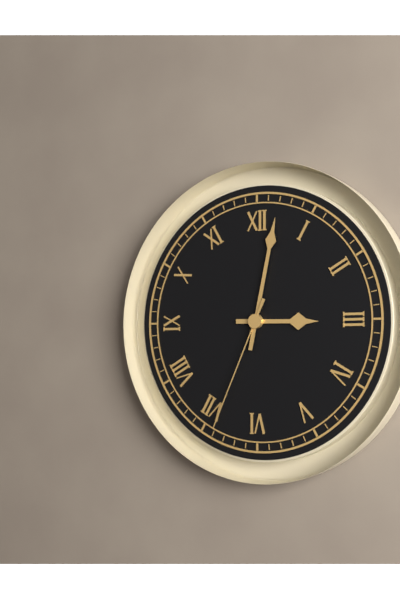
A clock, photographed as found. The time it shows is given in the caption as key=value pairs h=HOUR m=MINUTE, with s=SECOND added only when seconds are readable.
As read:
h=3 m=2 s=34
